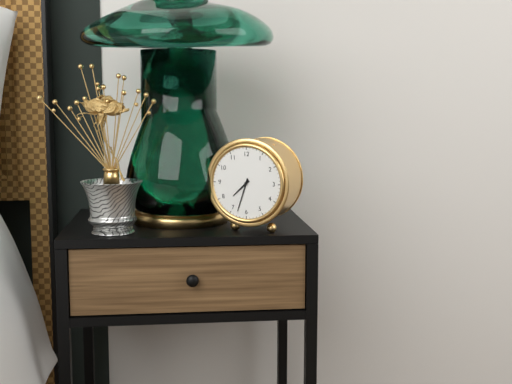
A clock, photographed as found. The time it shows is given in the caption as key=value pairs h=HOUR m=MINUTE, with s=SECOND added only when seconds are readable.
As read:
h=7 m=33
